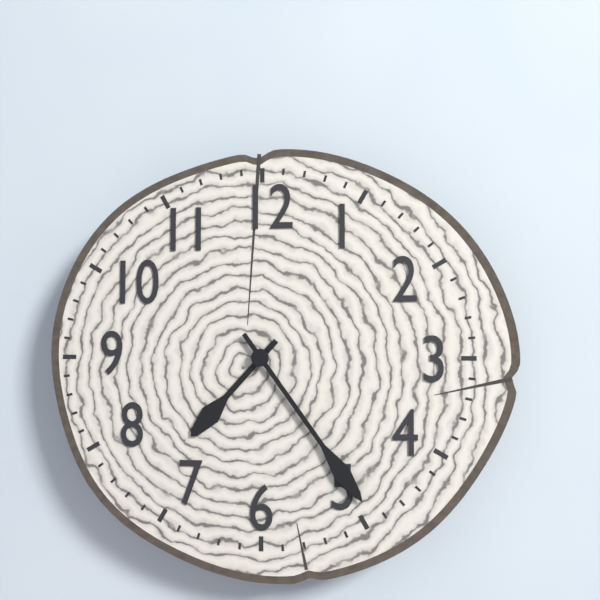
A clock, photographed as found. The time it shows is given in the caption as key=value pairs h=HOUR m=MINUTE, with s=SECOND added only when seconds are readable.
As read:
h=7 m=24
